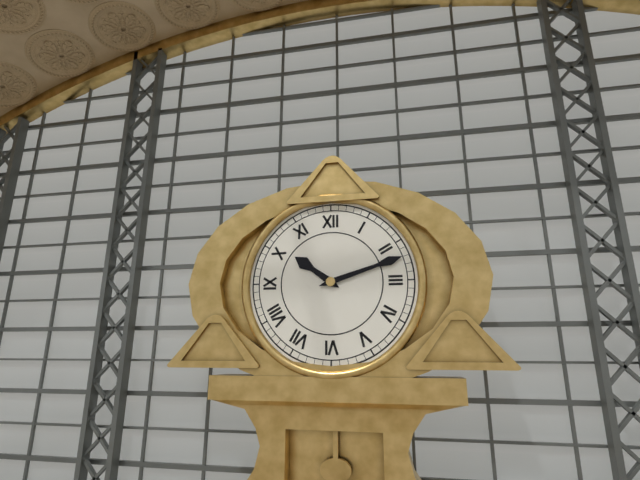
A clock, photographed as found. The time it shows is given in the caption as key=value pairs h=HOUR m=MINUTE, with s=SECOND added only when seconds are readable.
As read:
h=10 m=12
